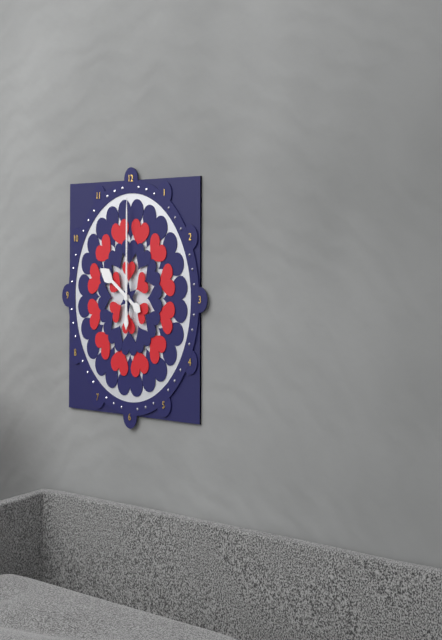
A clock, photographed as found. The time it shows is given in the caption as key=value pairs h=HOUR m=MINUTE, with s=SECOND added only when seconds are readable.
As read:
h=10 m=0
